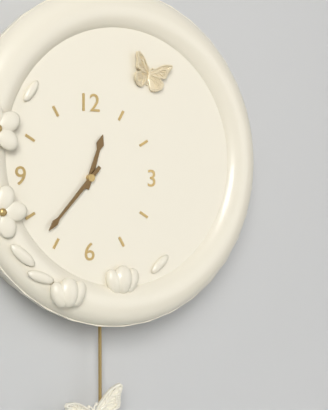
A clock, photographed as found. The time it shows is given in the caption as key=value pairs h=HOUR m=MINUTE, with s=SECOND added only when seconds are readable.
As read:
h=12 m=37
